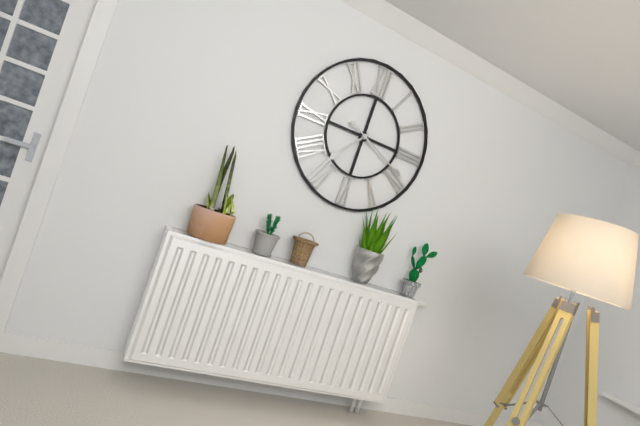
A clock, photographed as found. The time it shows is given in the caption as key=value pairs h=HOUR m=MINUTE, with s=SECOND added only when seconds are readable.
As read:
h=7 m=19
